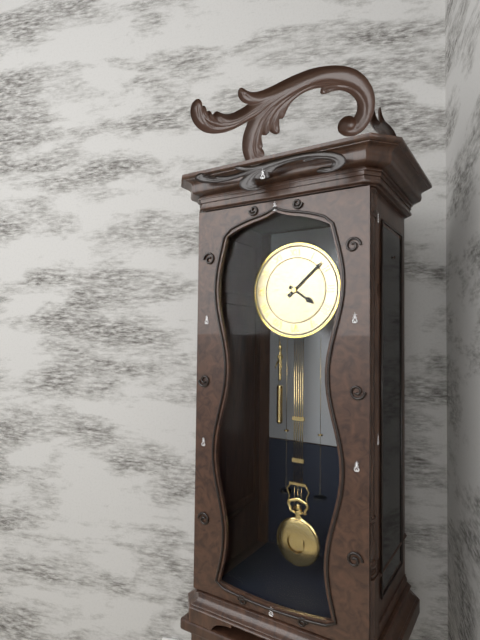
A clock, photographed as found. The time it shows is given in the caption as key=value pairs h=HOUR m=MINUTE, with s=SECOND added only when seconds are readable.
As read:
h=4 m=8
